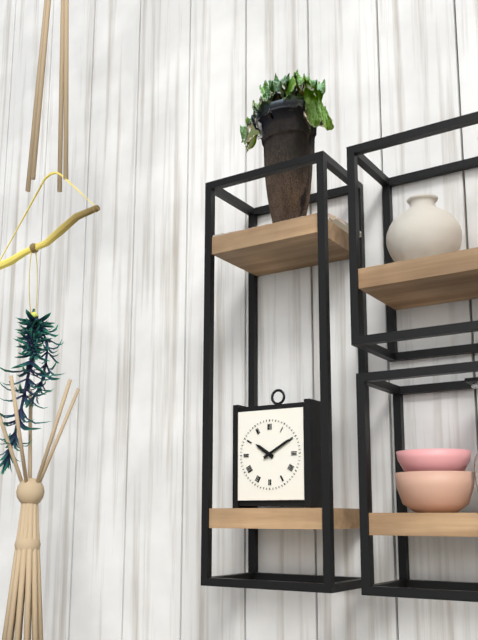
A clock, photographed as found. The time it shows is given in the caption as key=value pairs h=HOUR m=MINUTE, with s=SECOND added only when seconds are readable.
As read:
h=10 m=10
